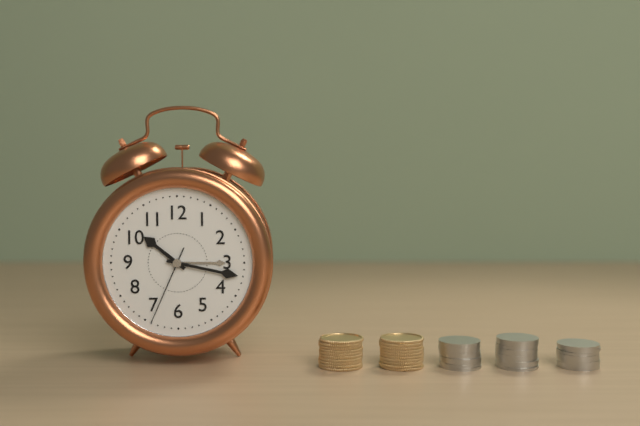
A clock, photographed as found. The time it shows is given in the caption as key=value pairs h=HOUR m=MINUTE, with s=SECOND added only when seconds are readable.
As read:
h=10 m=17 s=34
